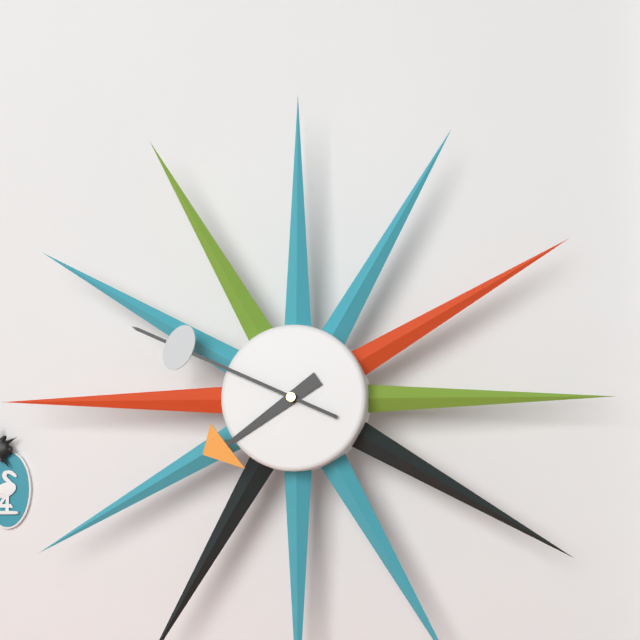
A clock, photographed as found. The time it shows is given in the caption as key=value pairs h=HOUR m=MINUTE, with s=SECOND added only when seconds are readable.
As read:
h=7 m=49
